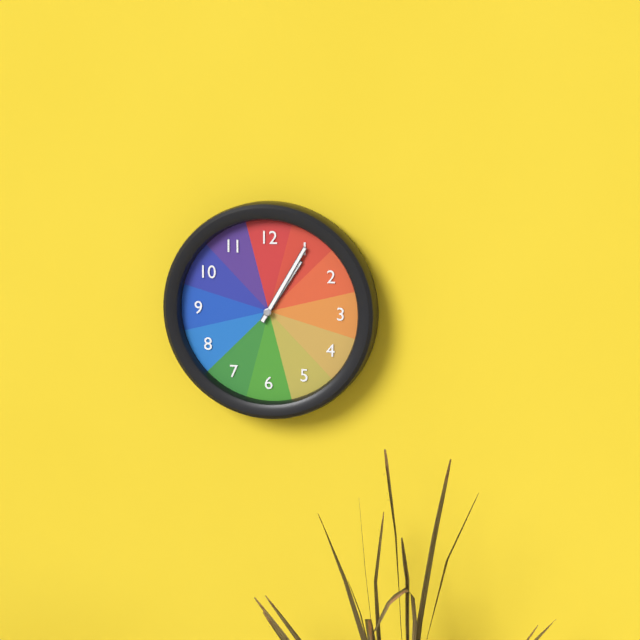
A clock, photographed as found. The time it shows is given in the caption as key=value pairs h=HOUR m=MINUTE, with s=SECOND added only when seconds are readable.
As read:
h=1 m=5
